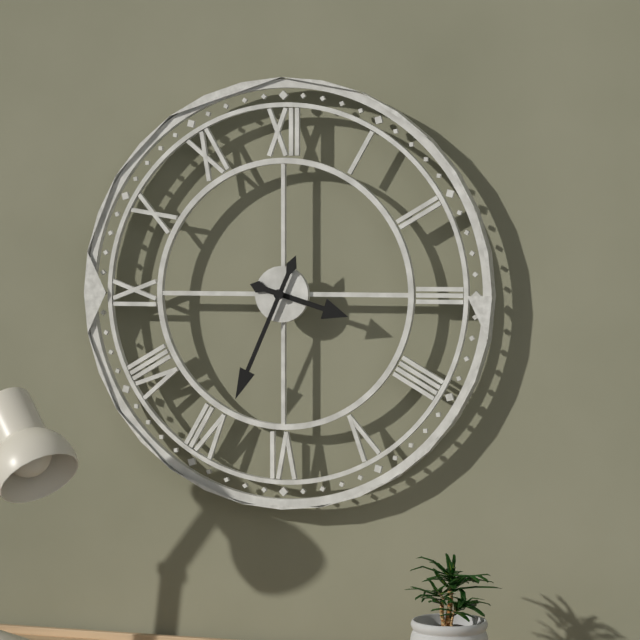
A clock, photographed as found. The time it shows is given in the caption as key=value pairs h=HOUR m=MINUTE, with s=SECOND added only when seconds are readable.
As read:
h=3 m=34
